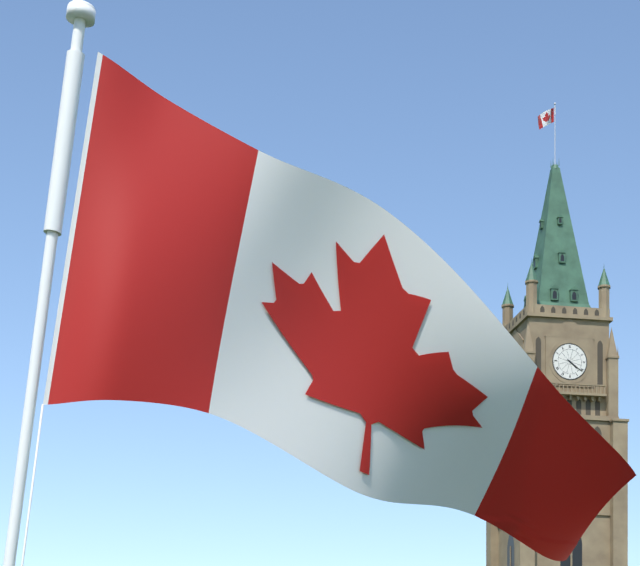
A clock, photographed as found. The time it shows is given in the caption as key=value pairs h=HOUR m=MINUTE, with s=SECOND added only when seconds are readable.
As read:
h=4 m=21
